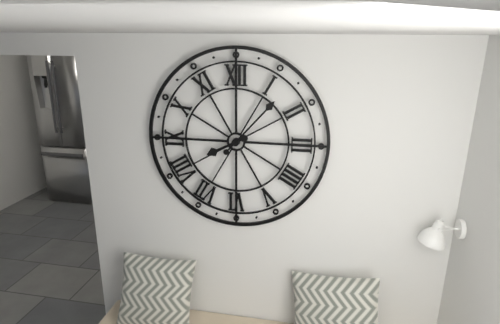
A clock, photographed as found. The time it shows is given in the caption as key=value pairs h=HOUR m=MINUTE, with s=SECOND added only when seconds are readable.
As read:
h=8 m=7
